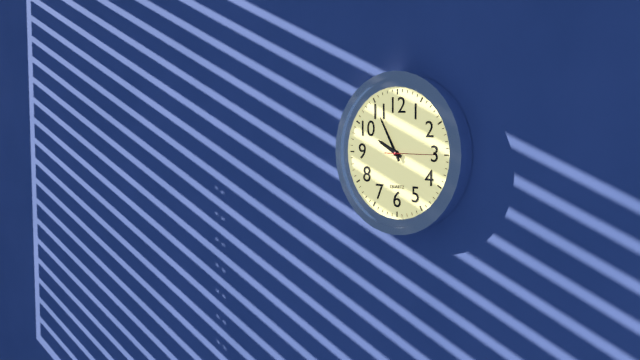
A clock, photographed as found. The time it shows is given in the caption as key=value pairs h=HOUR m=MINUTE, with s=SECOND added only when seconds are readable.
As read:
h=9 m=55
